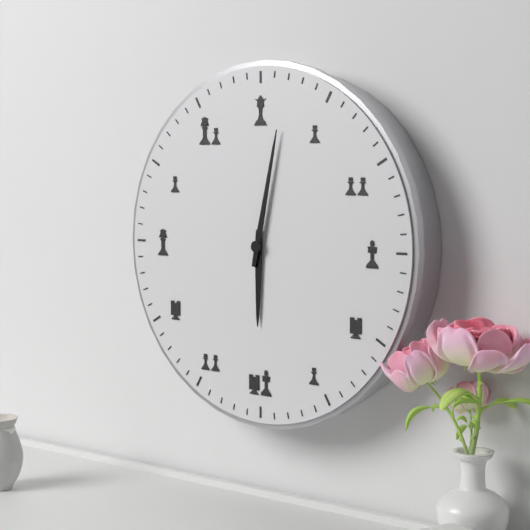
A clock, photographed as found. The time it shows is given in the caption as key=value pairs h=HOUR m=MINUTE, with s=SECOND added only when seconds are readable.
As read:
h=6 m=2
